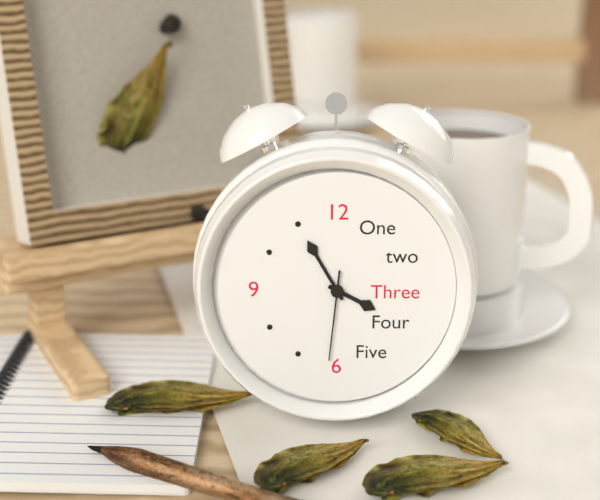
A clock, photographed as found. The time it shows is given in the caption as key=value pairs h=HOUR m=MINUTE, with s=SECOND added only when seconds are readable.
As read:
h=3 m=55 s=31
